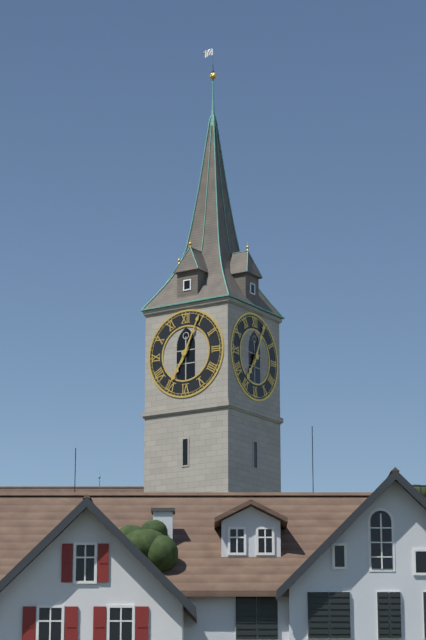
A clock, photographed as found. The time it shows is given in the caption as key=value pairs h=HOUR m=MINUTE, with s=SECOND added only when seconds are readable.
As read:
h=7 m=4
